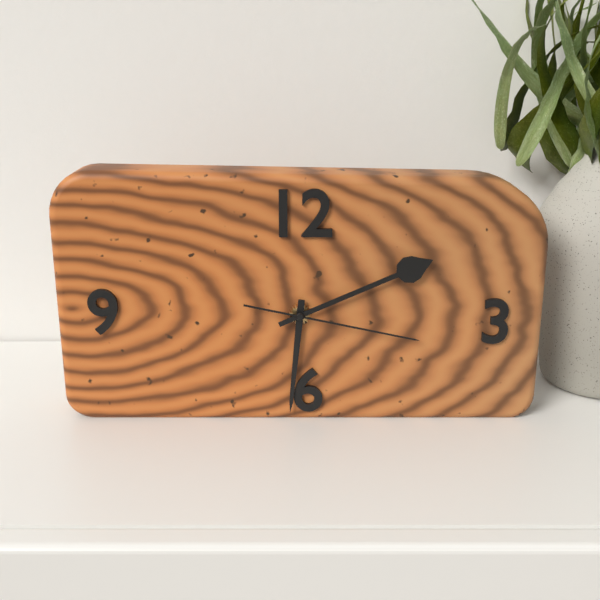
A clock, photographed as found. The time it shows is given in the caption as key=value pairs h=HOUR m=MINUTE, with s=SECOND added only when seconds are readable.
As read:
h=6 m=11 s=17
